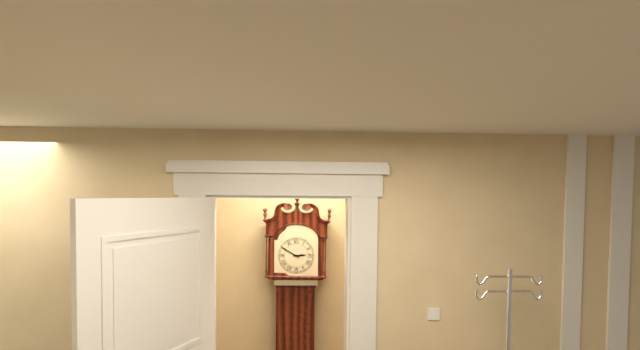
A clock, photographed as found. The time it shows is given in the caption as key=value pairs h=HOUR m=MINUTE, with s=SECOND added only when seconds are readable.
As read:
h=2 m=50
